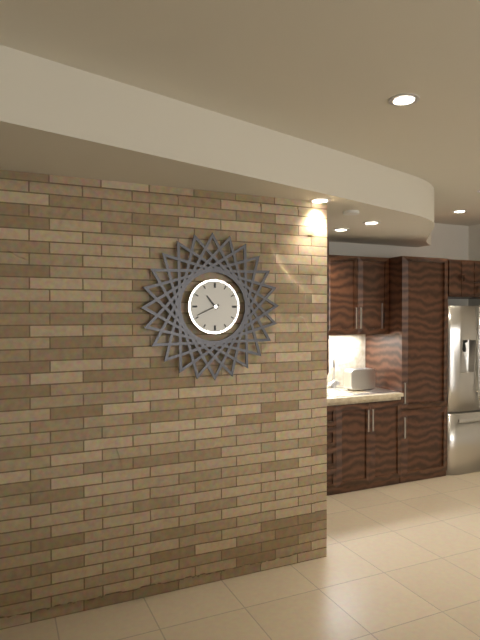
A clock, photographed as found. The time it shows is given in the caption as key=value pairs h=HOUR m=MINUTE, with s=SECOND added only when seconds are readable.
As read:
h=10 m=41
